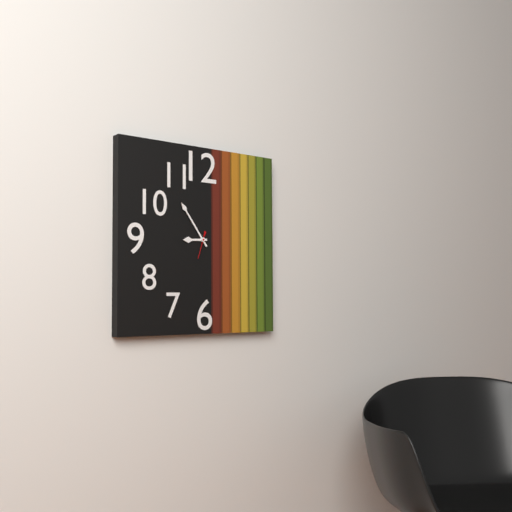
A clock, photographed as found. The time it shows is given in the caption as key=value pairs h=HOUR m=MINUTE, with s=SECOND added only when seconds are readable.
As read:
h=8 m=54
